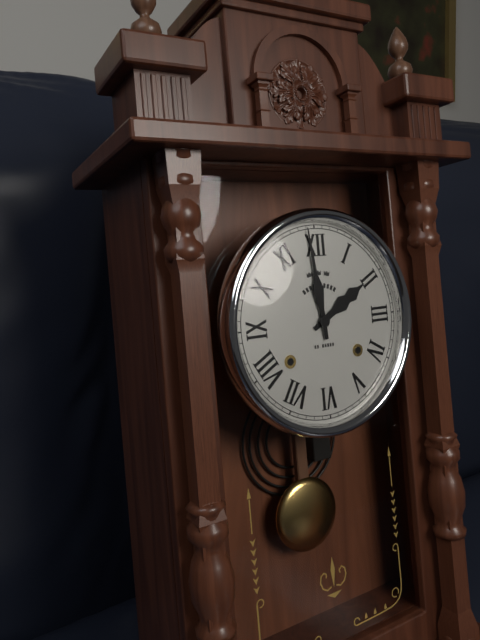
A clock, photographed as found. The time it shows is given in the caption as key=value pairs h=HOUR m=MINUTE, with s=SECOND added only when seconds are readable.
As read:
h=1 m=59
